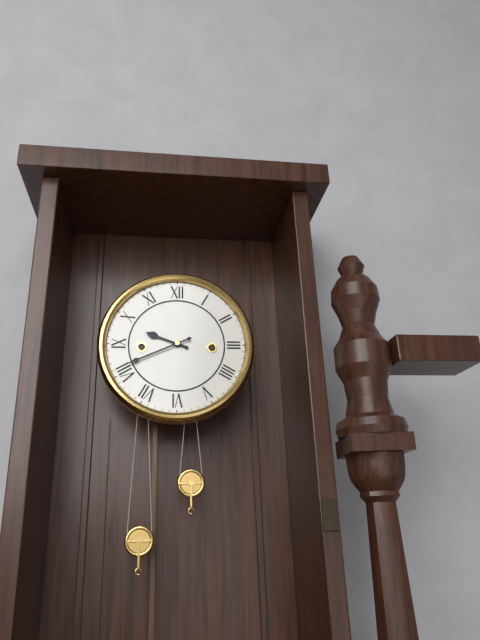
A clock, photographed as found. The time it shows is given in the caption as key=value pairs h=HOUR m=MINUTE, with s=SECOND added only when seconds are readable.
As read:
h=9 m=41
